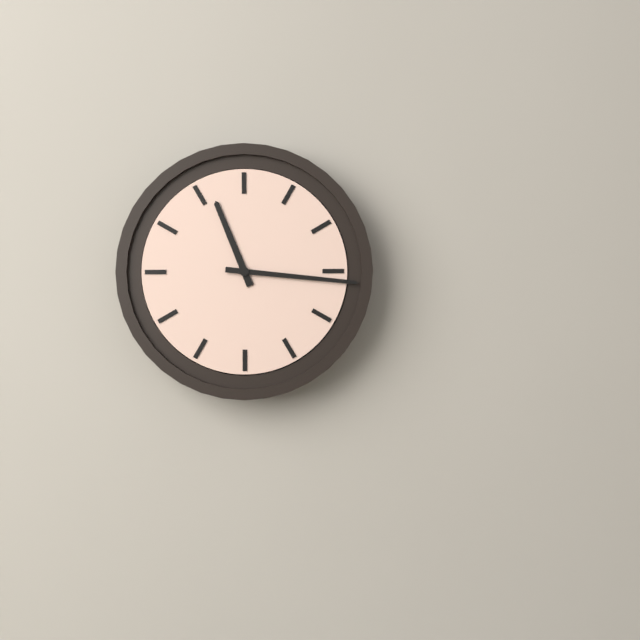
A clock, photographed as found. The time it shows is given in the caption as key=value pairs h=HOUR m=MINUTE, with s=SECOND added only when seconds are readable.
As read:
h=11 m=16
